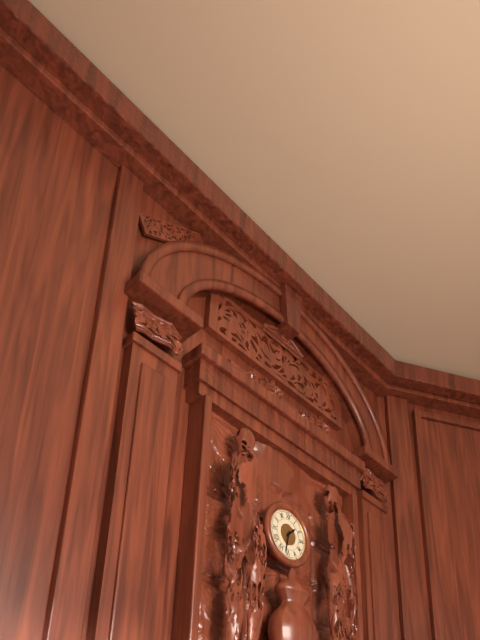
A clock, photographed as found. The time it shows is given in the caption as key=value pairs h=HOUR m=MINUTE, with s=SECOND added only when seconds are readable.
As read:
h=1 m=32
